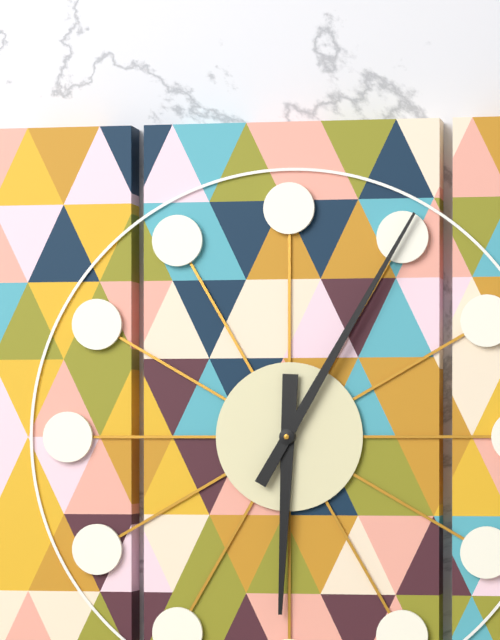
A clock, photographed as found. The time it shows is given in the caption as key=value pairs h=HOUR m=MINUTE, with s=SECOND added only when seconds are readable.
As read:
h=6 m=5
